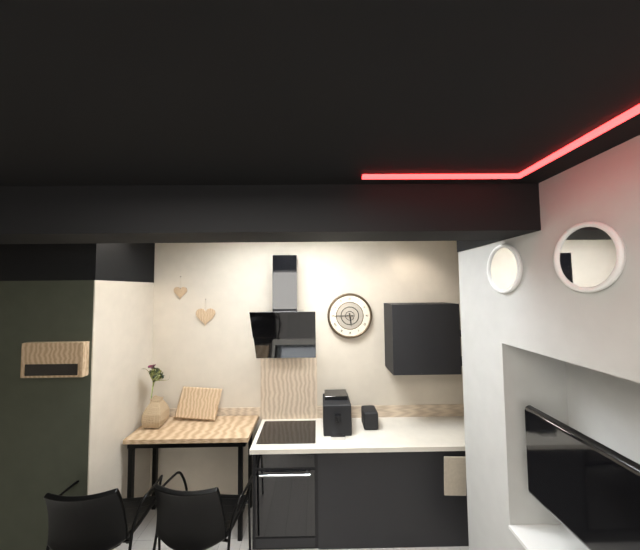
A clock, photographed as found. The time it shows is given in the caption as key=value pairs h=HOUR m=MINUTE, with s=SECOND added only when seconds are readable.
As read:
h=5 m=45
